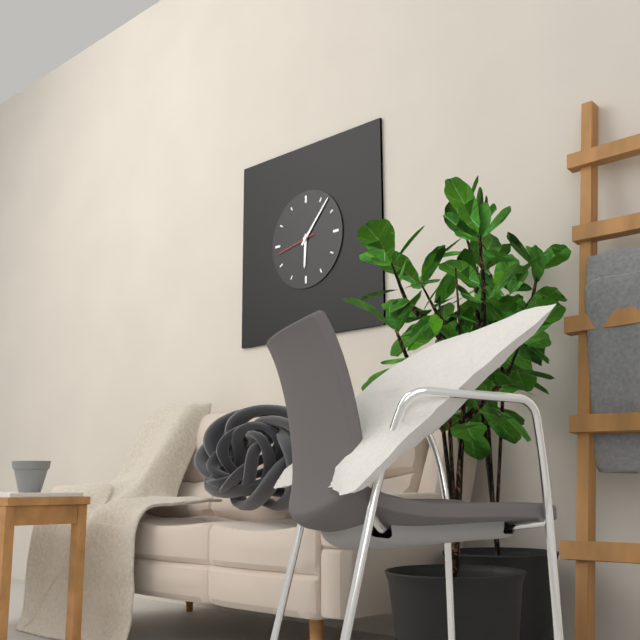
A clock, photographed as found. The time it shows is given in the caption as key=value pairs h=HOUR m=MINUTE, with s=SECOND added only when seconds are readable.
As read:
h=6 m=7
